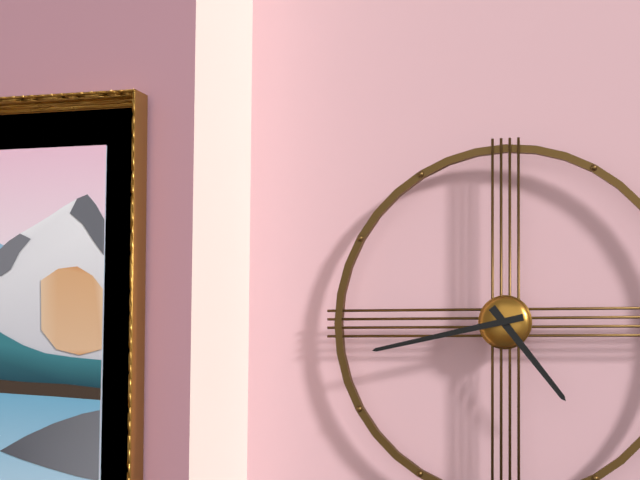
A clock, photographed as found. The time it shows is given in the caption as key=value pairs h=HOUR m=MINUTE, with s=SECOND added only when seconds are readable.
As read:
h=4 m=43
